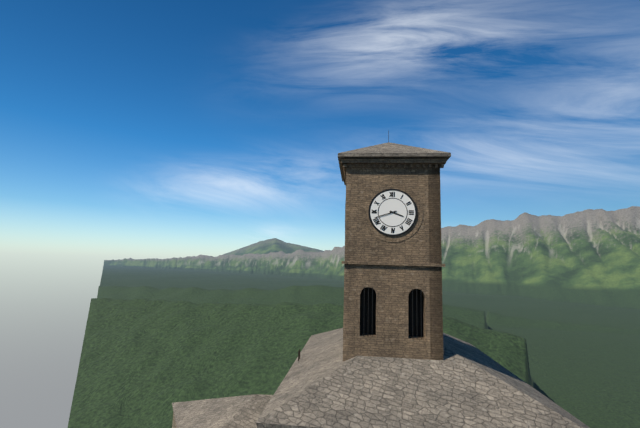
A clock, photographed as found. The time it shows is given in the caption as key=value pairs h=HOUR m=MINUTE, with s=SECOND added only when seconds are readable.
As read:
h=3 m=42
